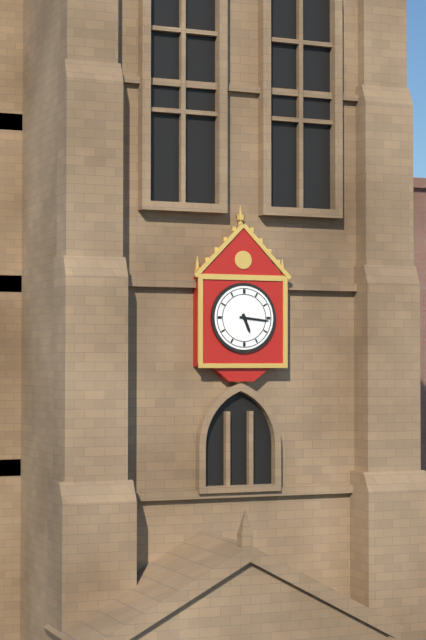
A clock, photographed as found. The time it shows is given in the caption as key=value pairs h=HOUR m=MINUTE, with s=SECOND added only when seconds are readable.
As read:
h=5 m=16
